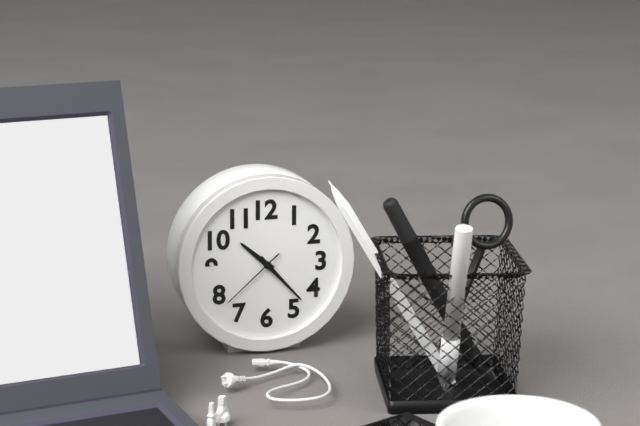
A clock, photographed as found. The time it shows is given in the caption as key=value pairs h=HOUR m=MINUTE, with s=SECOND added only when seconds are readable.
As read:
h=10 m=23 s=38
